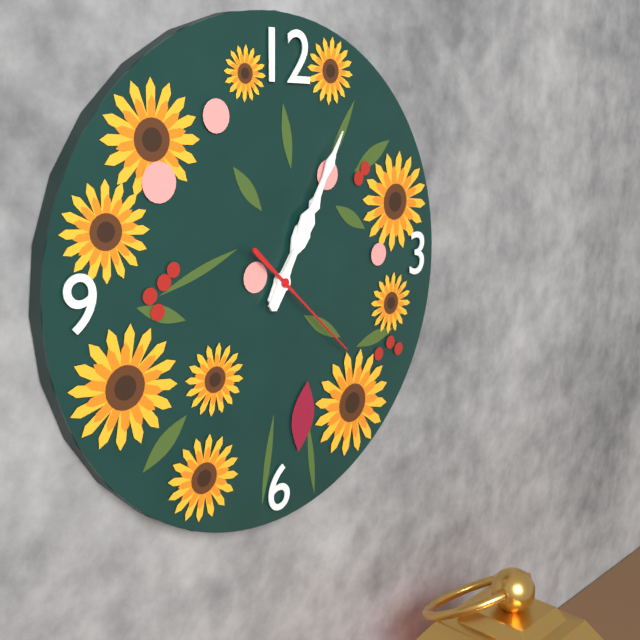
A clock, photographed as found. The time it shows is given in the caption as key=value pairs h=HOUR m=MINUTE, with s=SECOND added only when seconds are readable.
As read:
h=1 m=5 s=22
